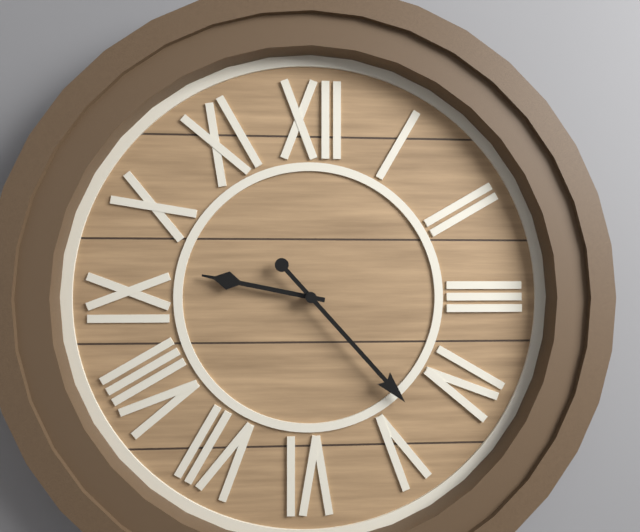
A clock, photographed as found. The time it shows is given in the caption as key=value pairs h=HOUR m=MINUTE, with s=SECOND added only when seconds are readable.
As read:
h=9 m=23
